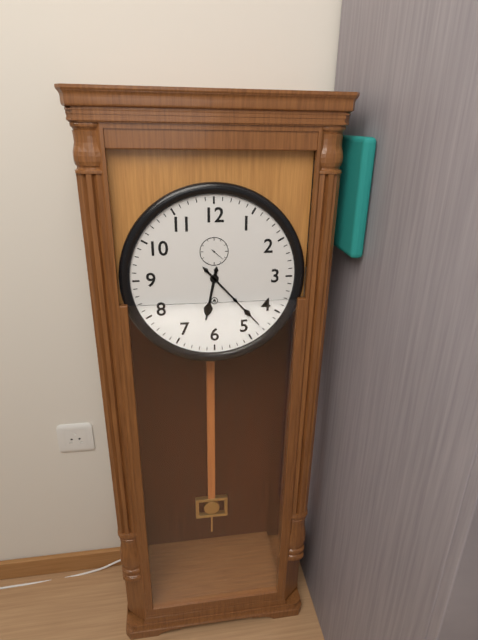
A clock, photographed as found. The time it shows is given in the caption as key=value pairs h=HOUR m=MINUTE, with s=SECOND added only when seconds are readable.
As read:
h=6 m=23
